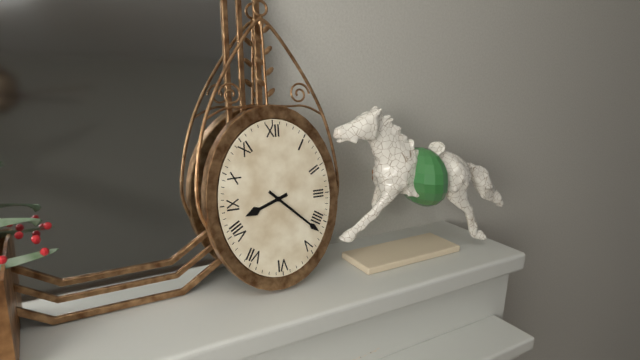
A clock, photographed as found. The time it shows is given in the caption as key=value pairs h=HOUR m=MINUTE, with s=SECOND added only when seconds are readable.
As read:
h=8 m=22
